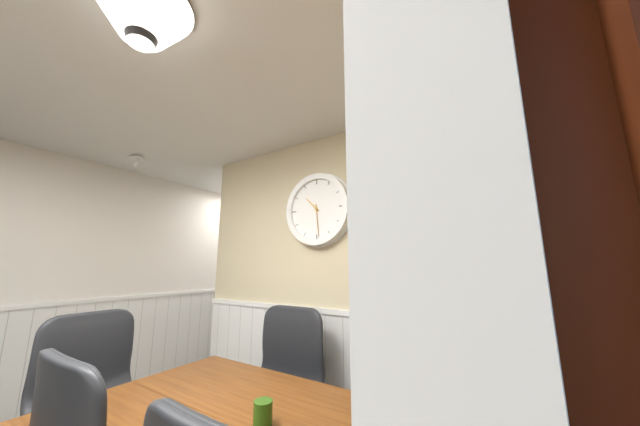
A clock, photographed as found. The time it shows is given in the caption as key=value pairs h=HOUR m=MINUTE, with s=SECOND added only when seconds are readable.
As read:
h=10 m=29
